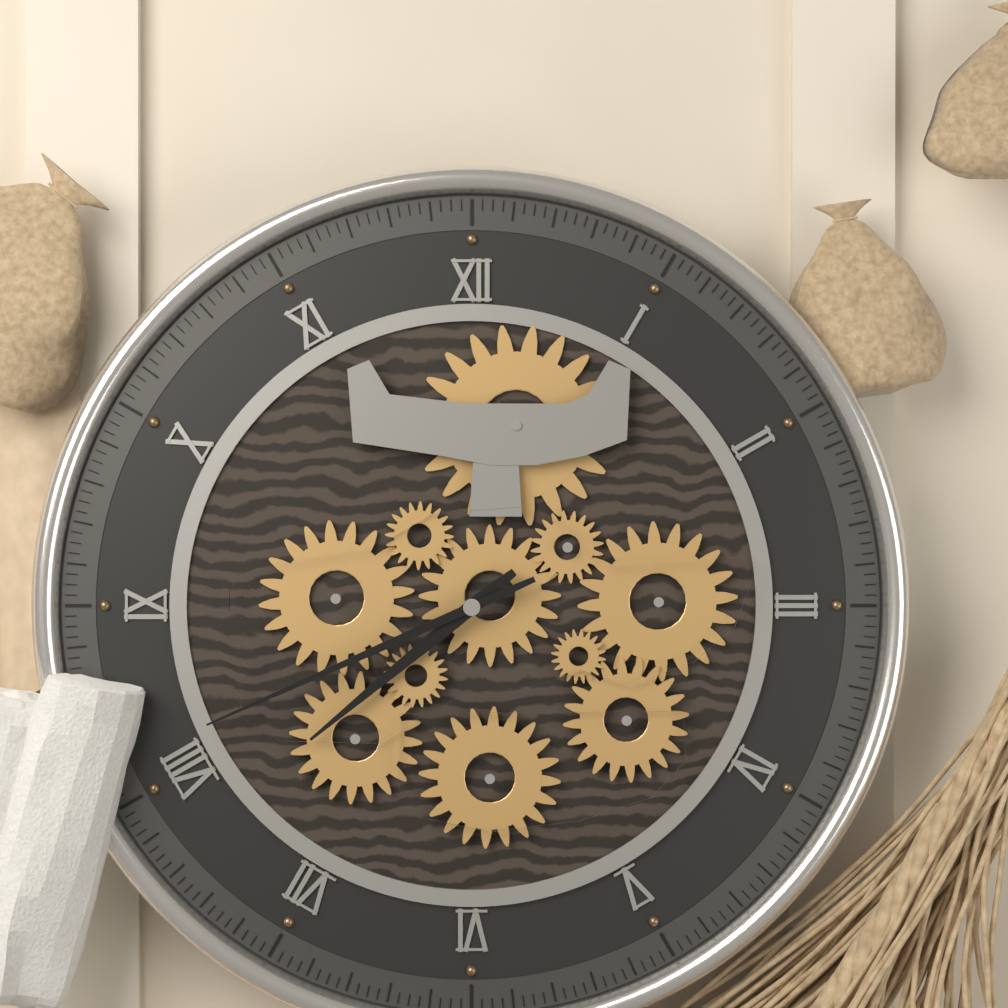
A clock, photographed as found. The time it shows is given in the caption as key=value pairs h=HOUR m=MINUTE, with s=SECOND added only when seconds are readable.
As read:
h=7 m=41
